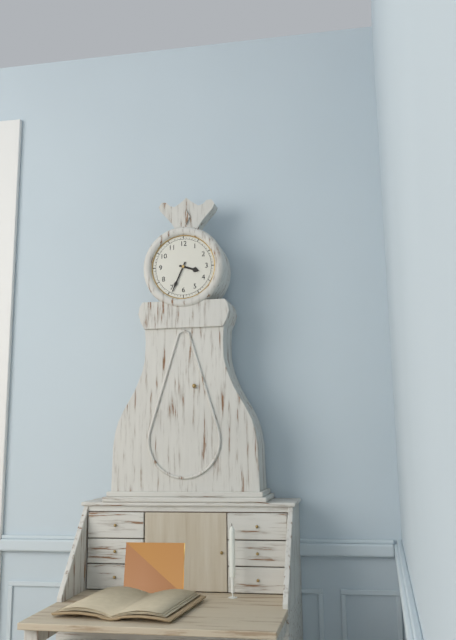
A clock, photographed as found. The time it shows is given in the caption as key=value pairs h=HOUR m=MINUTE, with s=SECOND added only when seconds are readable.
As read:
h=3 m=34
